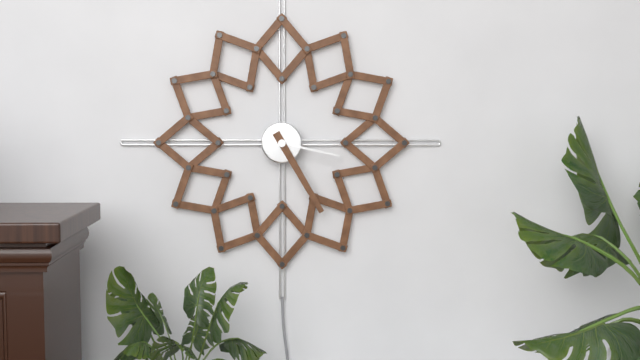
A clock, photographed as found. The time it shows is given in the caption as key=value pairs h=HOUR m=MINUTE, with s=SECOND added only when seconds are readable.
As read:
h=3 m=25
